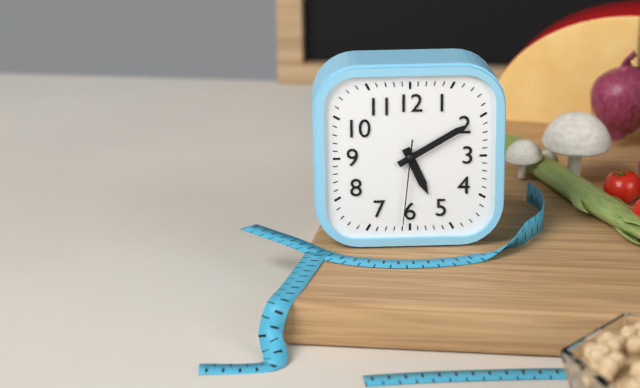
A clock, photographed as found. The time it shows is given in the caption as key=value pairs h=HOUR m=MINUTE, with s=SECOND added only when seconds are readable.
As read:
h=5 m=10 s=31
